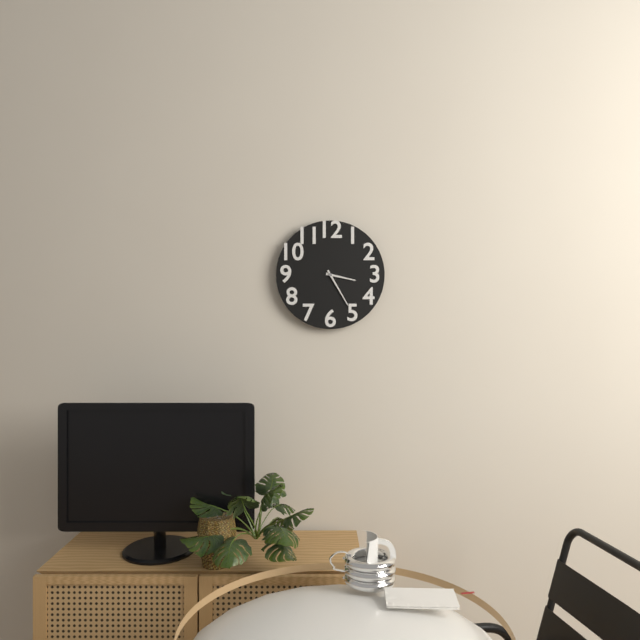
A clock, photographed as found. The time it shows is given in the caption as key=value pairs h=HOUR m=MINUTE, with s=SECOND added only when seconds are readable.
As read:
h=3 m=25
